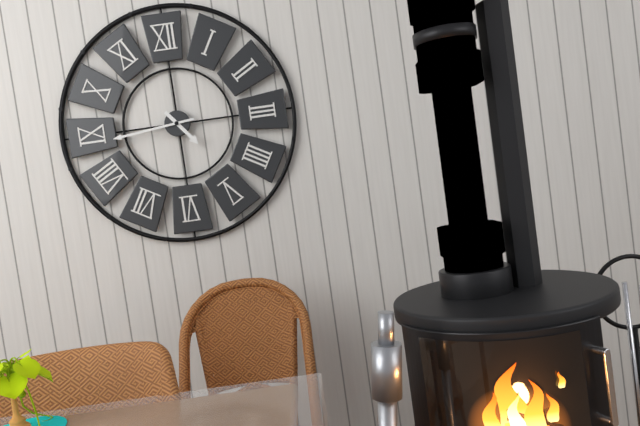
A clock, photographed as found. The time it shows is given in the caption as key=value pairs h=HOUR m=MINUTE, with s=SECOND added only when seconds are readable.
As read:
h=4 m=44
